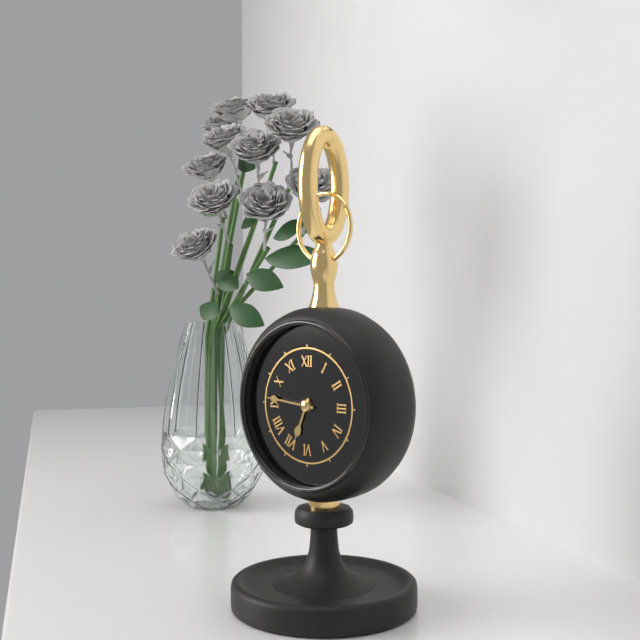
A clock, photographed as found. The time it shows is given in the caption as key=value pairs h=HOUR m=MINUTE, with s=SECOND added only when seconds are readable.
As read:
h=6 m=46
